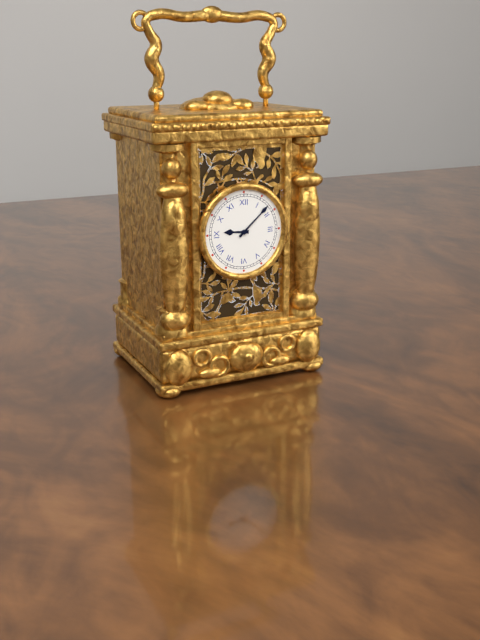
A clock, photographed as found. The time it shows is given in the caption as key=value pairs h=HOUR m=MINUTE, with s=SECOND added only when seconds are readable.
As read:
h=9 m=8
